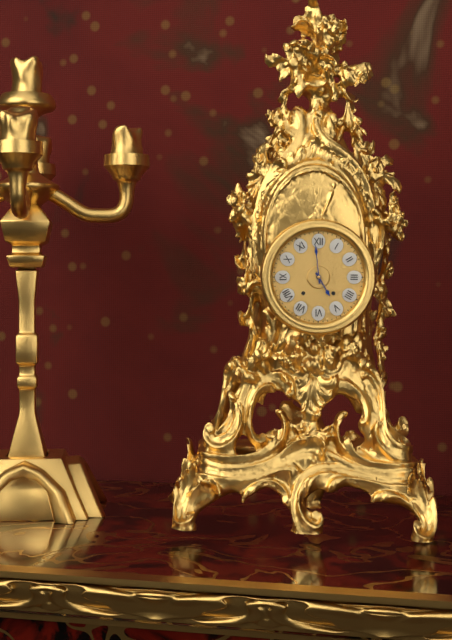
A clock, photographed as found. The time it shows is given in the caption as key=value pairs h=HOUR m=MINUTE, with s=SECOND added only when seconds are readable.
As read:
h=4 m=59
